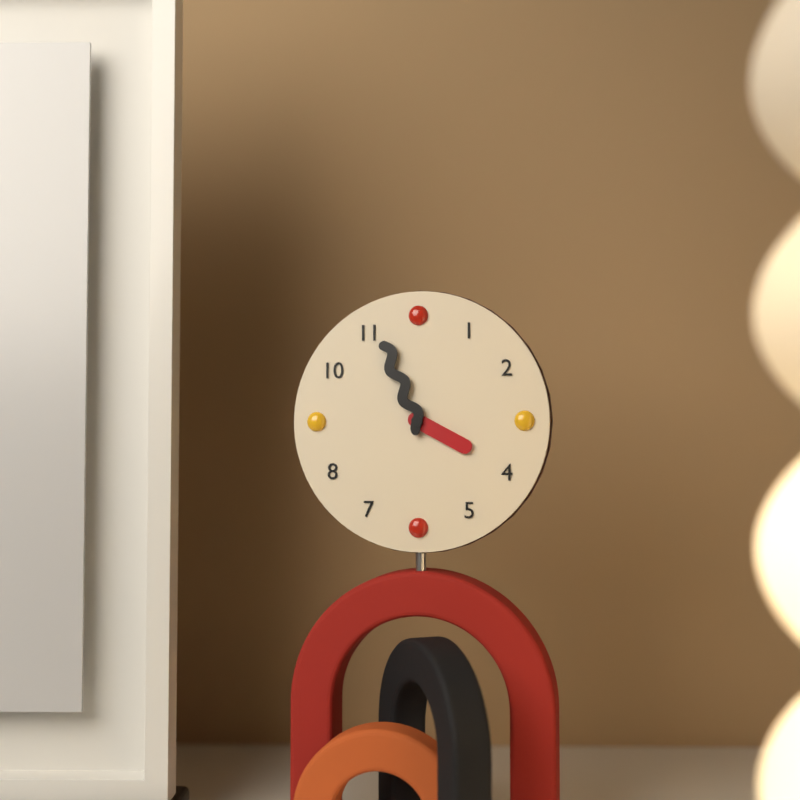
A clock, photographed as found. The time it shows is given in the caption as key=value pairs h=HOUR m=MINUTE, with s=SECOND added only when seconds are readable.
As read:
h=3 m=56
